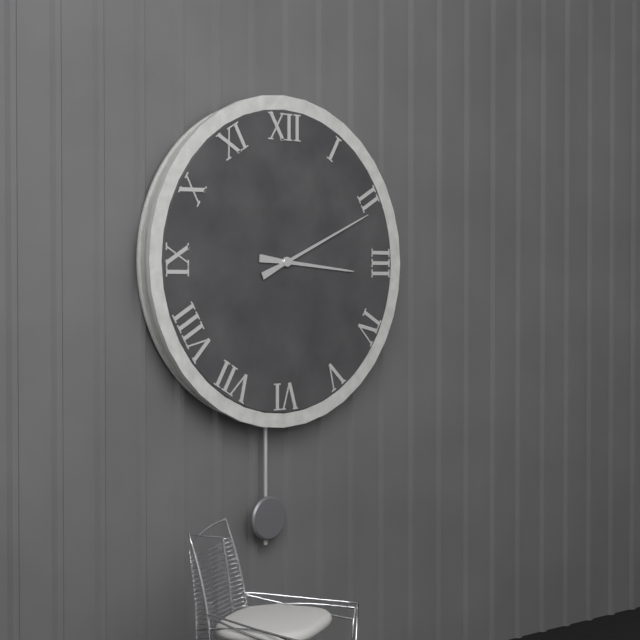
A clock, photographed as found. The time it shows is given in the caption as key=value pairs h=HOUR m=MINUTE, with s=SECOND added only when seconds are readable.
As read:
h=3 m=11
